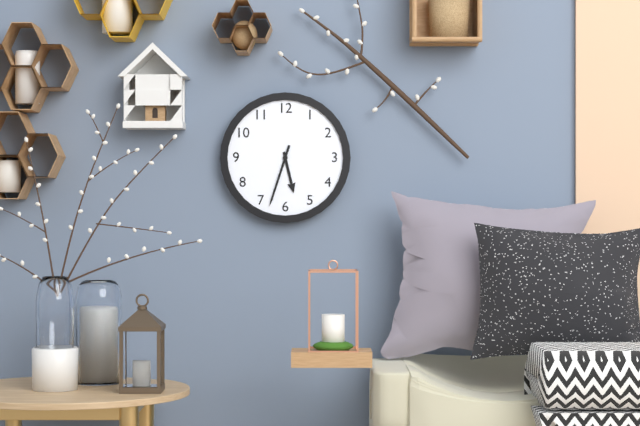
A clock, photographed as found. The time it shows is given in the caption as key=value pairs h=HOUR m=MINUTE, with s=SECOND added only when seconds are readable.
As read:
h=5 m=33
